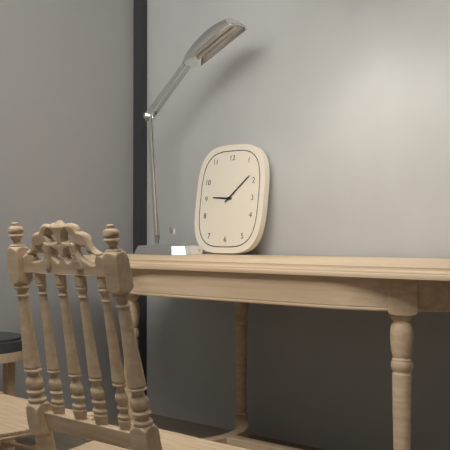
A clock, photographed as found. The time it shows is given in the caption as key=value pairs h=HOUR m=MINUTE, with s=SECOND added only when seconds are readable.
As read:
h=9 m=8
